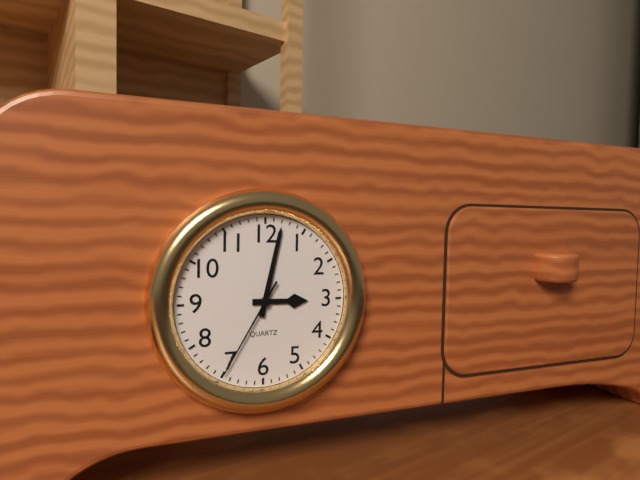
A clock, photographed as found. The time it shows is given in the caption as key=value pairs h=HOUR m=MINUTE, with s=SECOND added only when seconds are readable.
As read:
h=3 m=2 s=35
